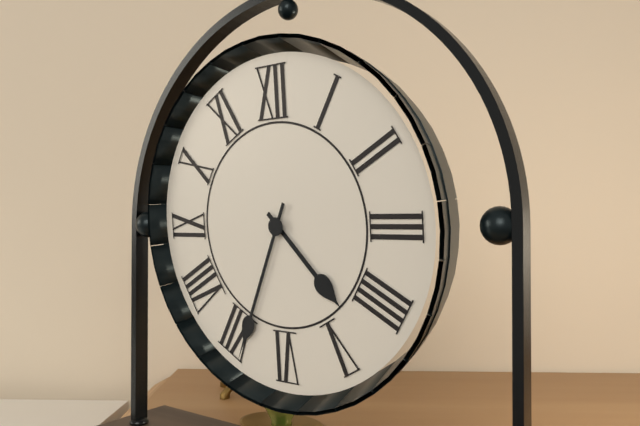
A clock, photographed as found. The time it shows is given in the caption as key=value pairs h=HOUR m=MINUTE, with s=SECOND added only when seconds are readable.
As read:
h=4 m=34
